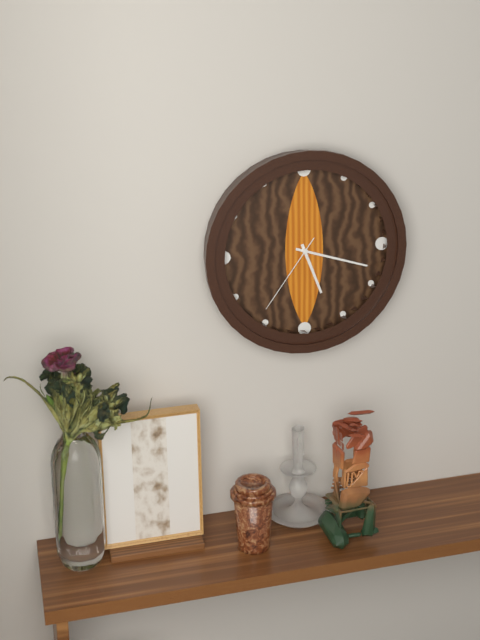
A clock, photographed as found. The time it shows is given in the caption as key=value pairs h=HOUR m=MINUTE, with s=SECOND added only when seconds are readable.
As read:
h=5 m=18 s=36
